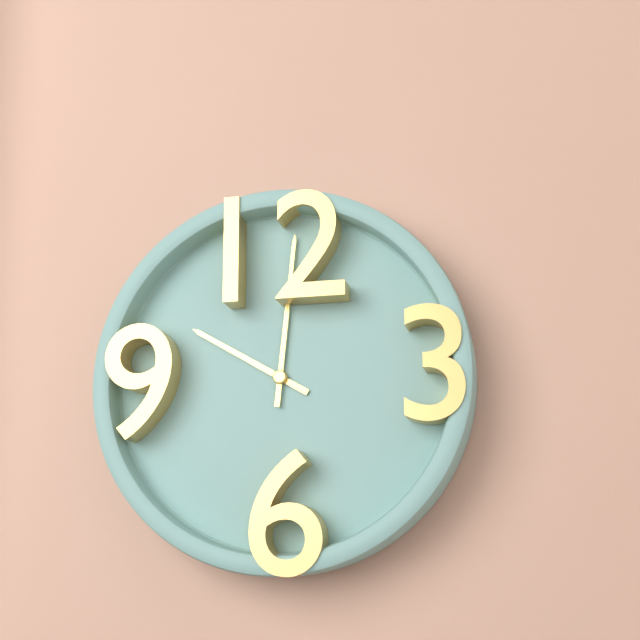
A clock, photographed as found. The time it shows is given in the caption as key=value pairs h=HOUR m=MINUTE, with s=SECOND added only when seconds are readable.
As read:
h=10 m=1
